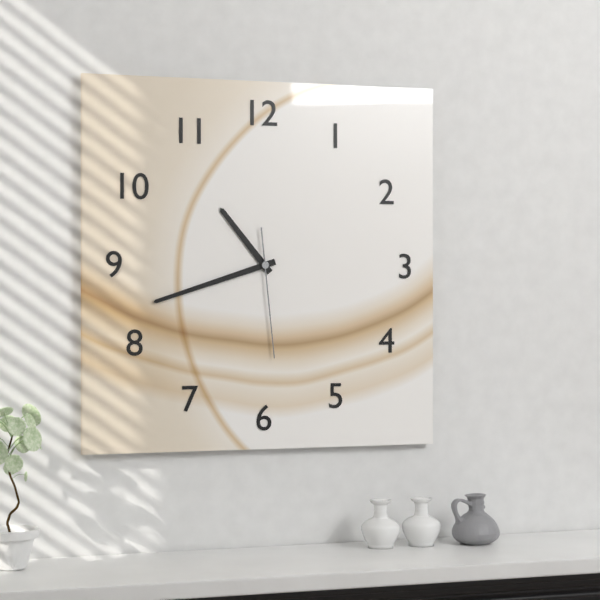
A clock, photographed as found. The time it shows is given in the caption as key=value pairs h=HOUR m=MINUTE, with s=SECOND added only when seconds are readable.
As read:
h=10 m=42 s=29
